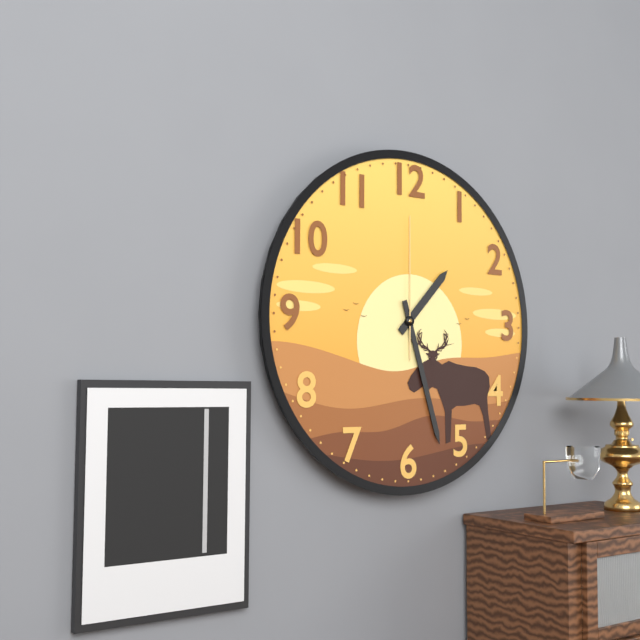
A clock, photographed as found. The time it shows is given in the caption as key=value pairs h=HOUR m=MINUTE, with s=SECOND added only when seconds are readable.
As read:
h=1 m=27 s=0
